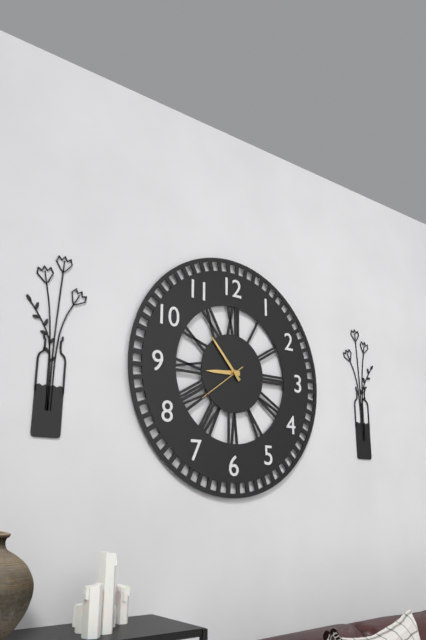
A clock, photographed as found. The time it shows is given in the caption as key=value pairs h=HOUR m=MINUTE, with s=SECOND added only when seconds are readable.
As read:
h=8 m=53 s=39
